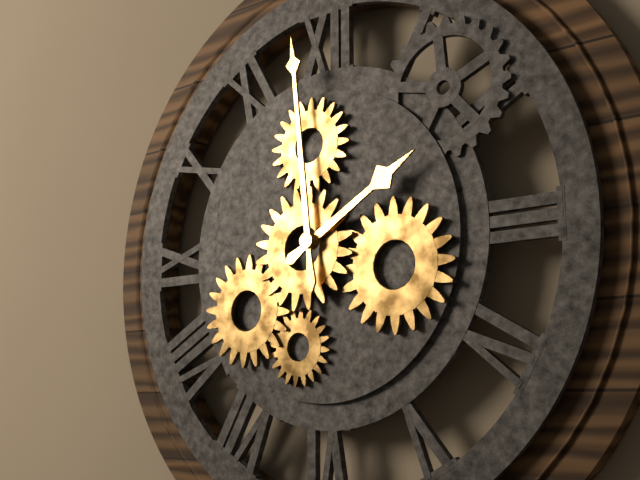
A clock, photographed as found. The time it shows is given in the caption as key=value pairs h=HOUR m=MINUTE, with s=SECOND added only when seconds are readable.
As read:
h=1 m=59
